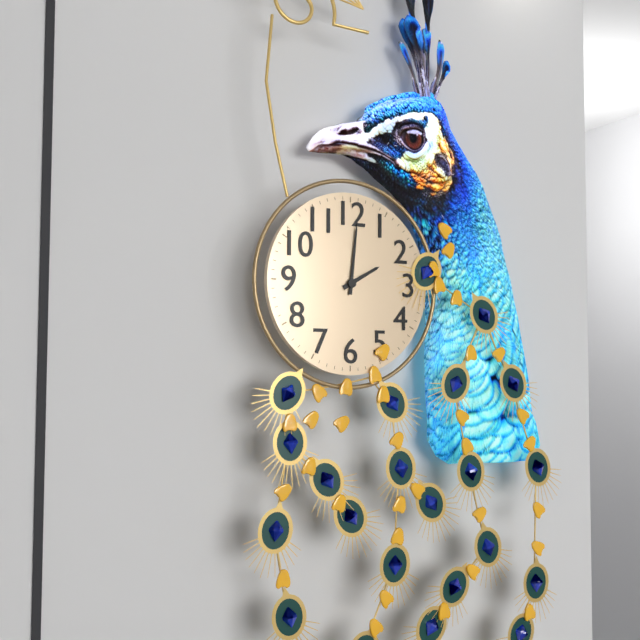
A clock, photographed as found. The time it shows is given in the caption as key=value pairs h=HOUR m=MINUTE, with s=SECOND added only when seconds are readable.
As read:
h=2 m=1
